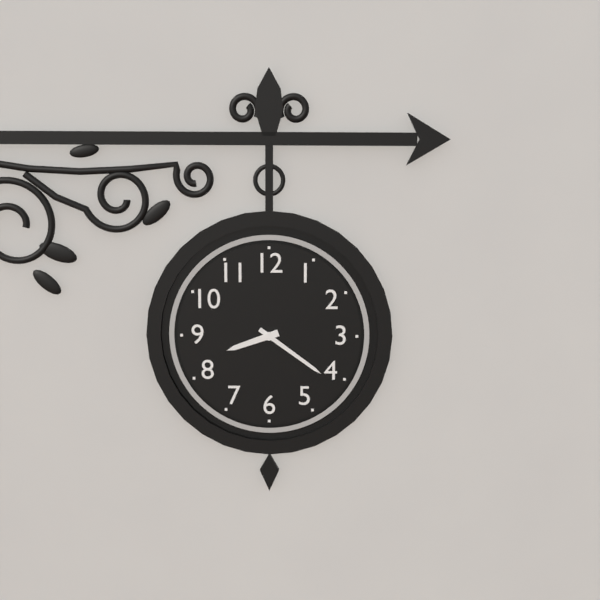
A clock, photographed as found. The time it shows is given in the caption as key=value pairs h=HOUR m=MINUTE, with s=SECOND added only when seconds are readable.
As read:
h=8 m=21
